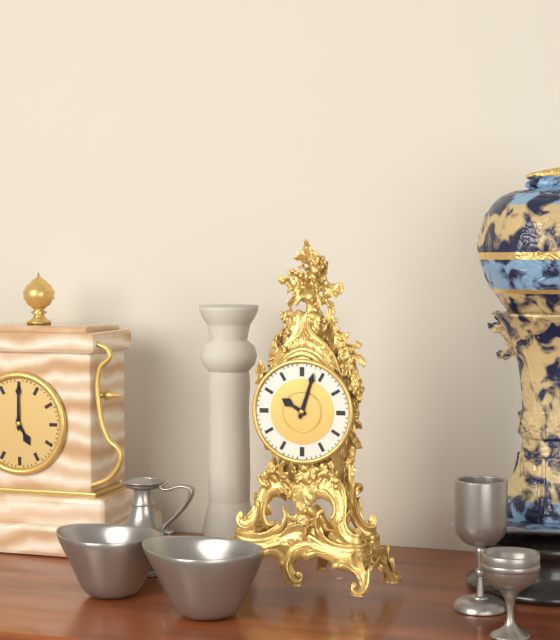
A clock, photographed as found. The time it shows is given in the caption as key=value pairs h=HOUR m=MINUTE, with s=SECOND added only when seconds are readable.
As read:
h=10 m=3
